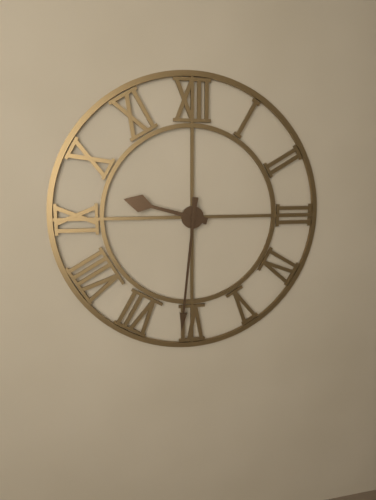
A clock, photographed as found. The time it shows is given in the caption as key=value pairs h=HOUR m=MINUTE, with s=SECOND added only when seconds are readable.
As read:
h=9 m=31
